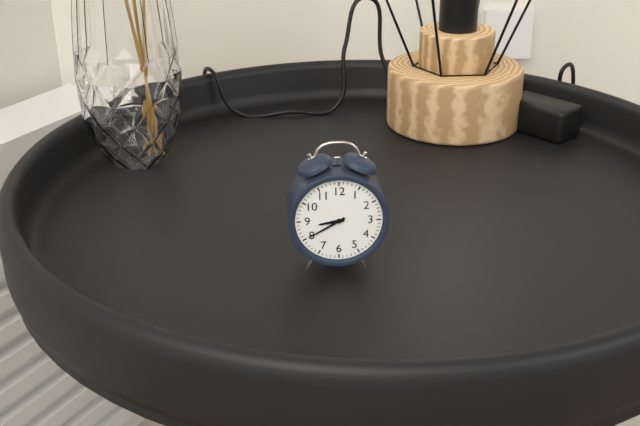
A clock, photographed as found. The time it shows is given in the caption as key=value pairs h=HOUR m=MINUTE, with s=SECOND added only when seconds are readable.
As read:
h=8 m=40
